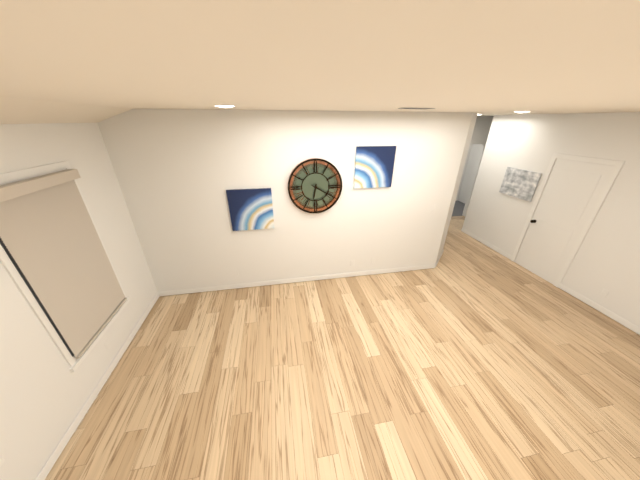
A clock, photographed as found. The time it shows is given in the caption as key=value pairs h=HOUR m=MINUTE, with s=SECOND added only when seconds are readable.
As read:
h=6 m=20
